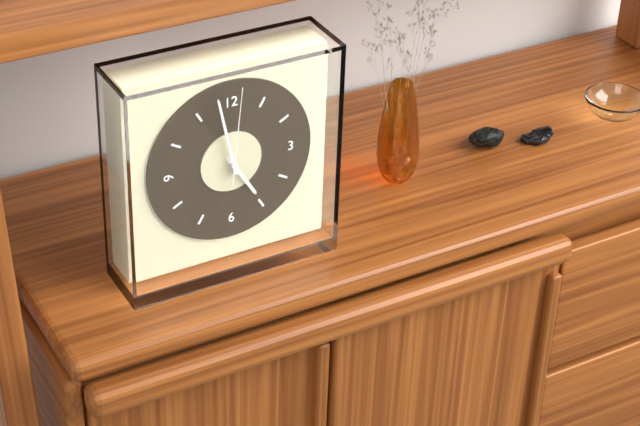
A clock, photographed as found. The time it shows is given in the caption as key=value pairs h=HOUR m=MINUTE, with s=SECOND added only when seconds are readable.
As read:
h=4 m=58 s=1
